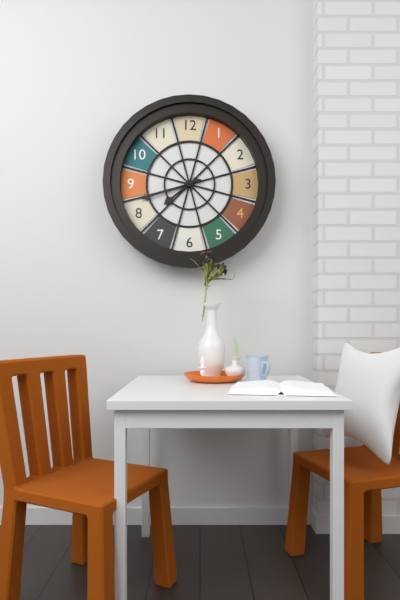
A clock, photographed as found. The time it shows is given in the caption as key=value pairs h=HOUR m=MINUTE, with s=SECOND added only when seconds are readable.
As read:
h=7 m=42
